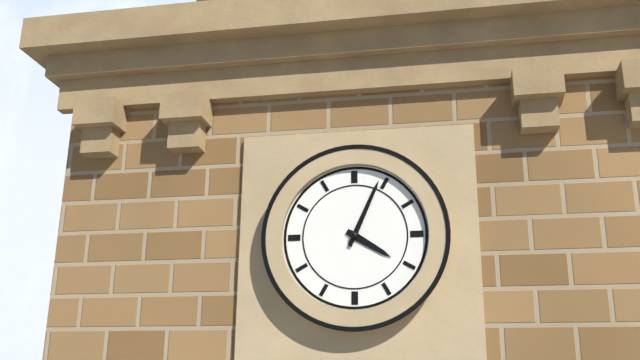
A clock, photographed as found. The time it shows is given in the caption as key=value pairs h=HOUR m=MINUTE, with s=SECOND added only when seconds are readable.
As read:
h=4 m=4
